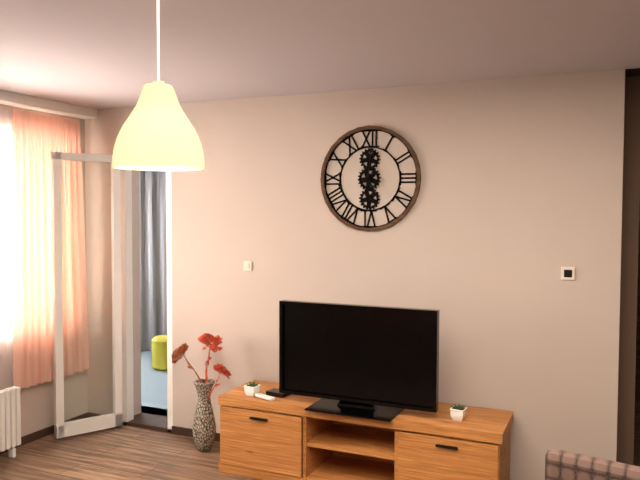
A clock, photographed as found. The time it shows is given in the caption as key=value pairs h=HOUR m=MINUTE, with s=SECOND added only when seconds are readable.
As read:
h=5 m=1
